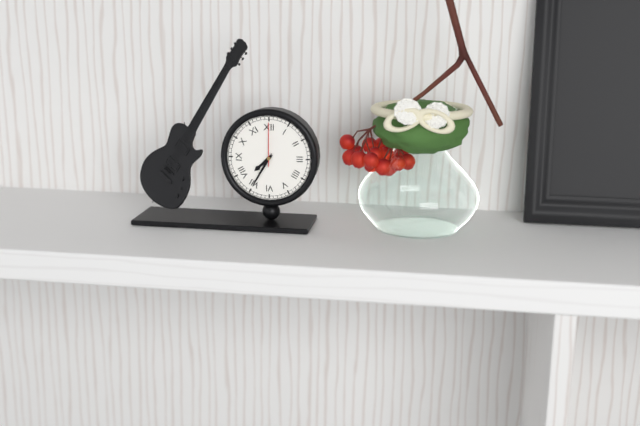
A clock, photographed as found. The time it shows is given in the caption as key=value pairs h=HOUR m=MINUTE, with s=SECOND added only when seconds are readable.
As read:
h=7 m=35
